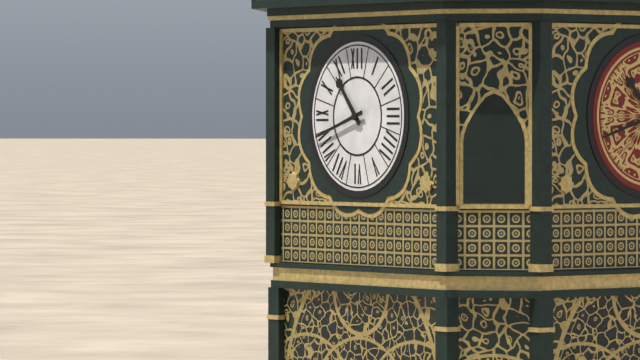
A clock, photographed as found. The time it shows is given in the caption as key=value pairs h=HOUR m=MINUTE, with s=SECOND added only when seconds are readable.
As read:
h=10 m=42
